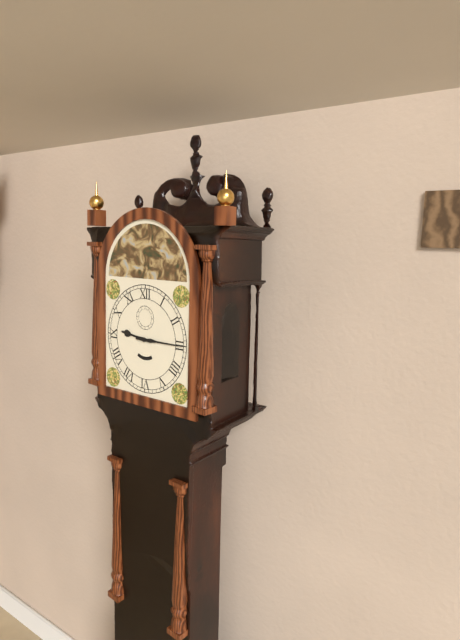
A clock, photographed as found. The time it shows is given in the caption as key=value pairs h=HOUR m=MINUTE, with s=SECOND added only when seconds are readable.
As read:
h=9 m=15
